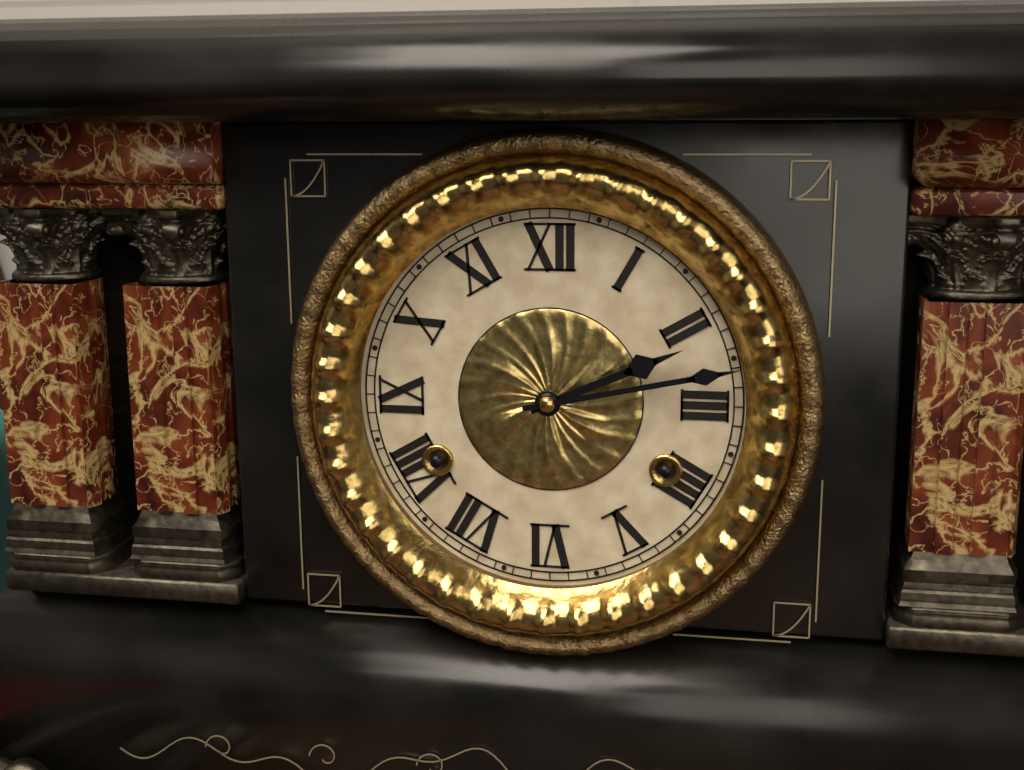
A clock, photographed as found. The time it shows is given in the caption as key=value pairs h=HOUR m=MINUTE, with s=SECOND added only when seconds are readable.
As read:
h=2 m=13
